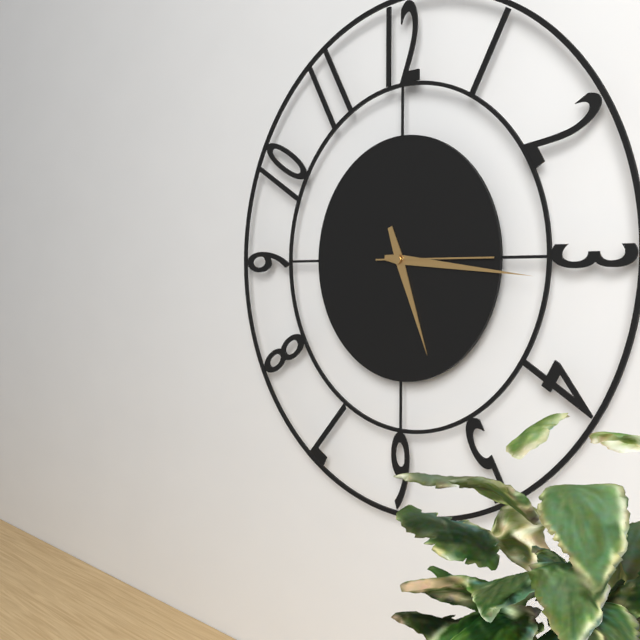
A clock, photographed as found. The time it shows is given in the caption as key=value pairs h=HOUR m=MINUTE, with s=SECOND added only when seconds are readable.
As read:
h=5 m=16 s=15
